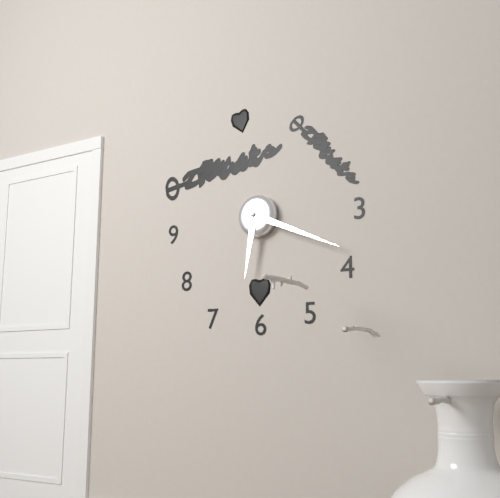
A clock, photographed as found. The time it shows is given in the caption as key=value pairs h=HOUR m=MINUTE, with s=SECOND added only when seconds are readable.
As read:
h=6 m=19
